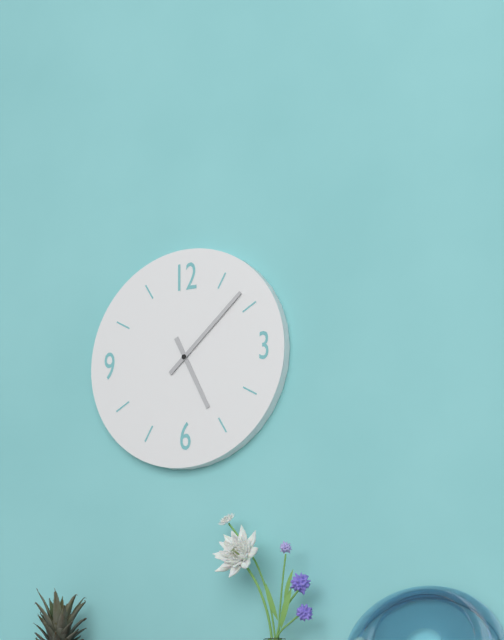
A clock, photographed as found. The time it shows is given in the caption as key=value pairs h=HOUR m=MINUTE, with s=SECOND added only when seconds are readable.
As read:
h=5 m=8
